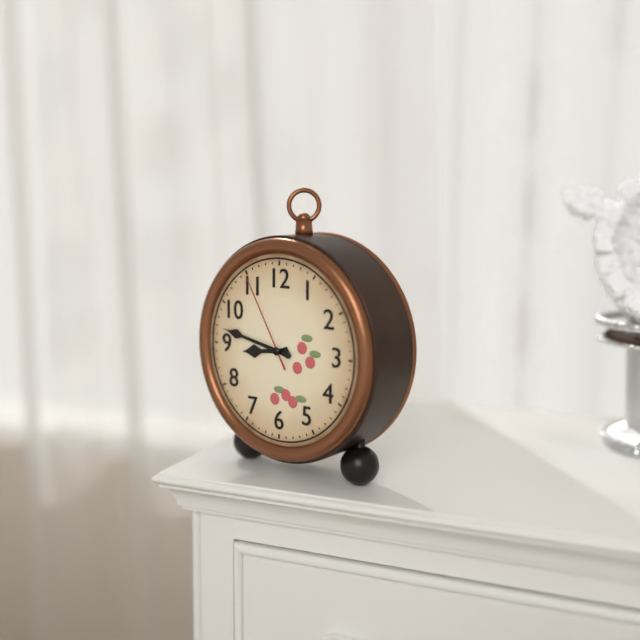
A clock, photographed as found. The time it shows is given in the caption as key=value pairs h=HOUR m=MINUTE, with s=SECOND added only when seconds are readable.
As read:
h=8 m=47 s=55
